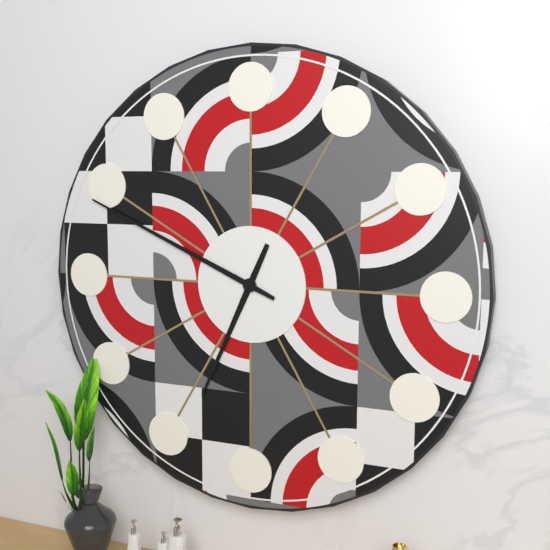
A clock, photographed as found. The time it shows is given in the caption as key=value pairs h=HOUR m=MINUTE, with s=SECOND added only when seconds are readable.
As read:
h=6 m=49
